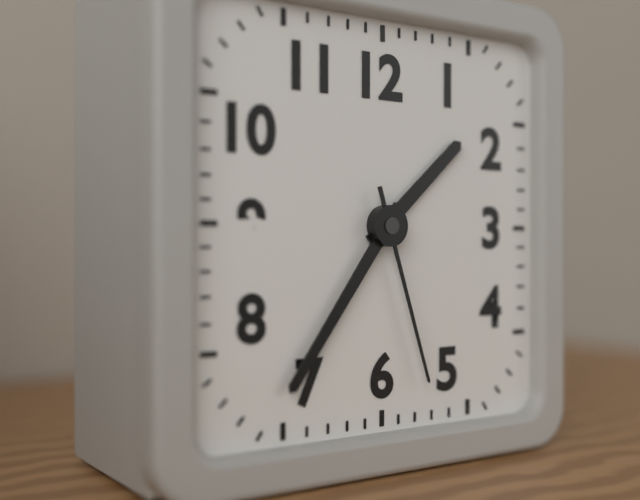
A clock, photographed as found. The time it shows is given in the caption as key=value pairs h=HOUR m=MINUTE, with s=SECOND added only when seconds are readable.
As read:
h=1 m=36 s=27
